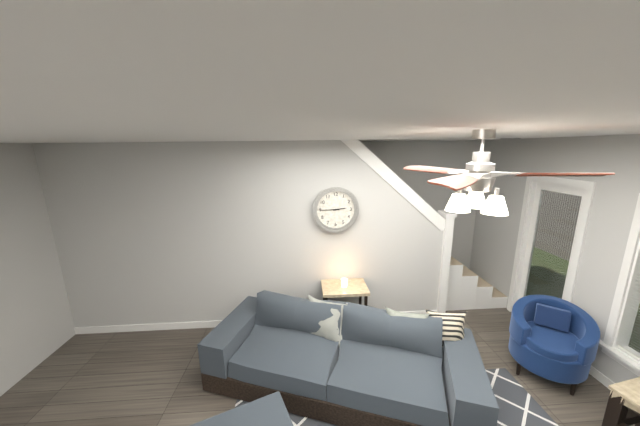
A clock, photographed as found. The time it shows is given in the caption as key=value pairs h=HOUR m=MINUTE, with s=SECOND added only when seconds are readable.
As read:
h=2 m=45
